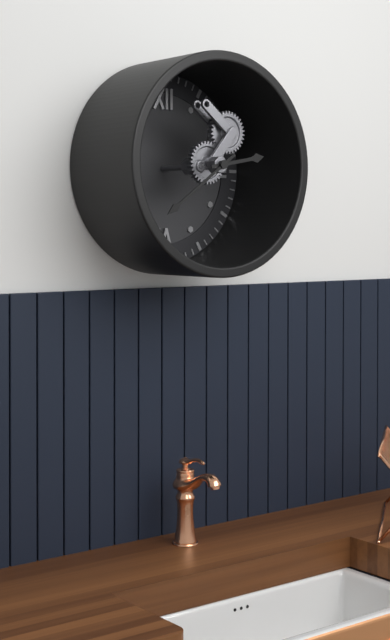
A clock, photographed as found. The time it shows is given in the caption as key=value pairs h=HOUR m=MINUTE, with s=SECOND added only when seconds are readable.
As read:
h=2 m=39
